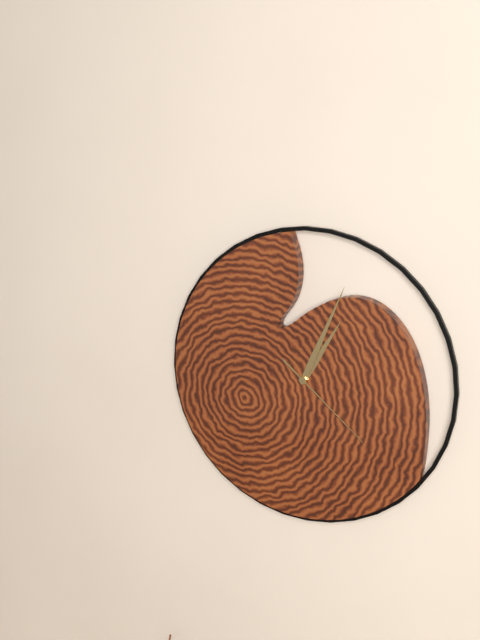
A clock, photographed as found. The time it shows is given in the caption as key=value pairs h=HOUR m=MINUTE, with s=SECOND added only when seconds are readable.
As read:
h=1 m=4 s=22
